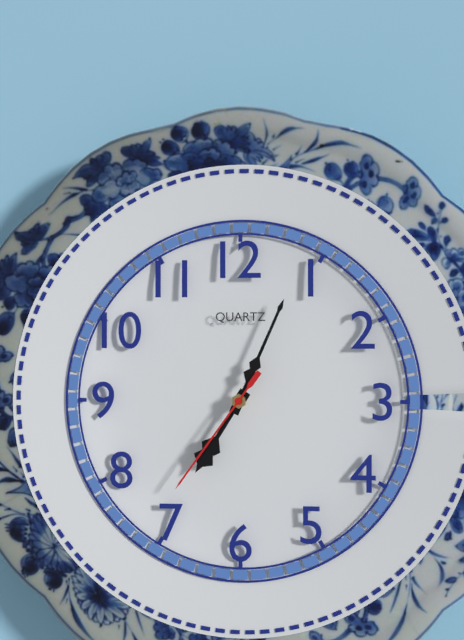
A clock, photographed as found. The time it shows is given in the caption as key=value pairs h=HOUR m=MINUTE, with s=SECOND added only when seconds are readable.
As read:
h=7 m=4 s=36
